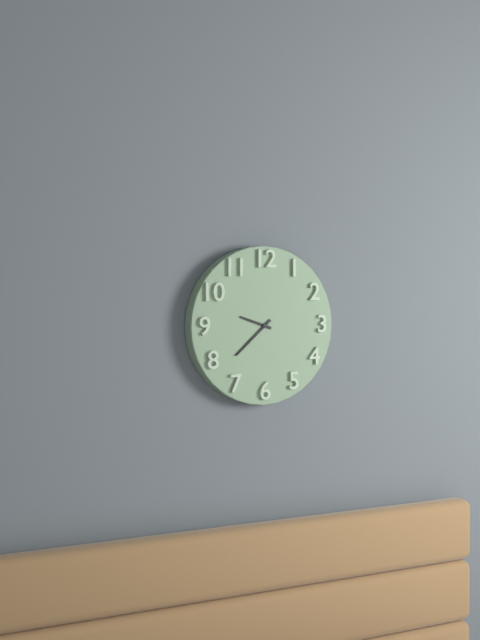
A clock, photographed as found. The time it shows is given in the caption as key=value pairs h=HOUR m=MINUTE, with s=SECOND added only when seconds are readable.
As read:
h=9 m=38
